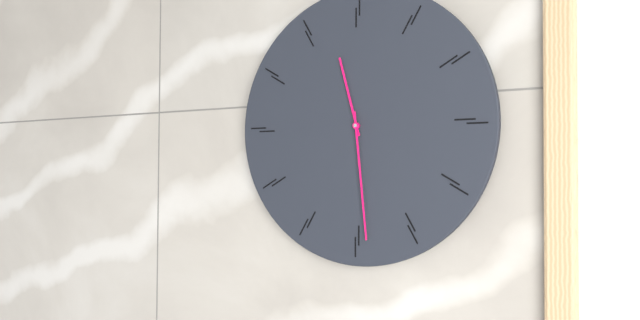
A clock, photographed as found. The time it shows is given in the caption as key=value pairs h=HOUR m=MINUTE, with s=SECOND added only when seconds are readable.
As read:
h=11 m=29
